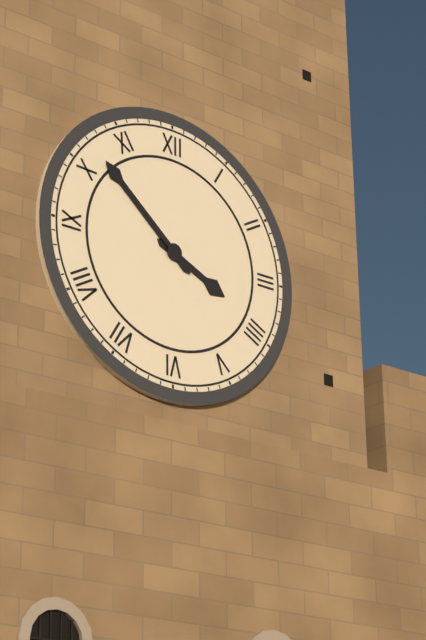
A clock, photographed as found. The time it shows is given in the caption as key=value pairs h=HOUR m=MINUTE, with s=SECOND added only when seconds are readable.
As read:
h=3 m=52
